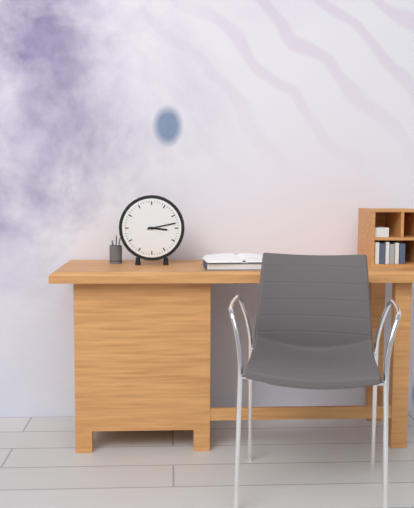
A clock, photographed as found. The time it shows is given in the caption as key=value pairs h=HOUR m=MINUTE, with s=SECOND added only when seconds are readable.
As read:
h=3 m=13
